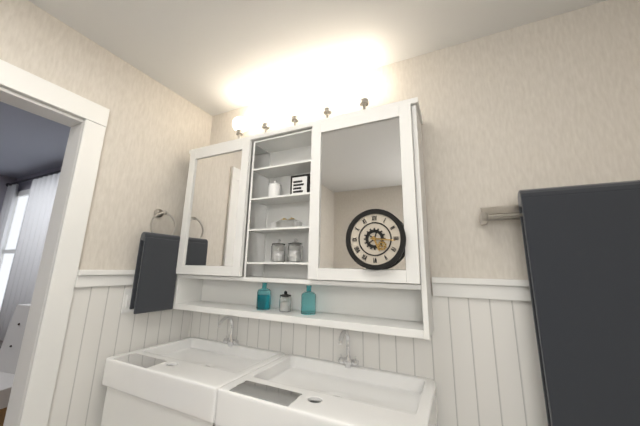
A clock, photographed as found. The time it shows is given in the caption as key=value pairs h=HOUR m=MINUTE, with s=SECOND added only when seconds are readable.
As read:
h=5 m=16
